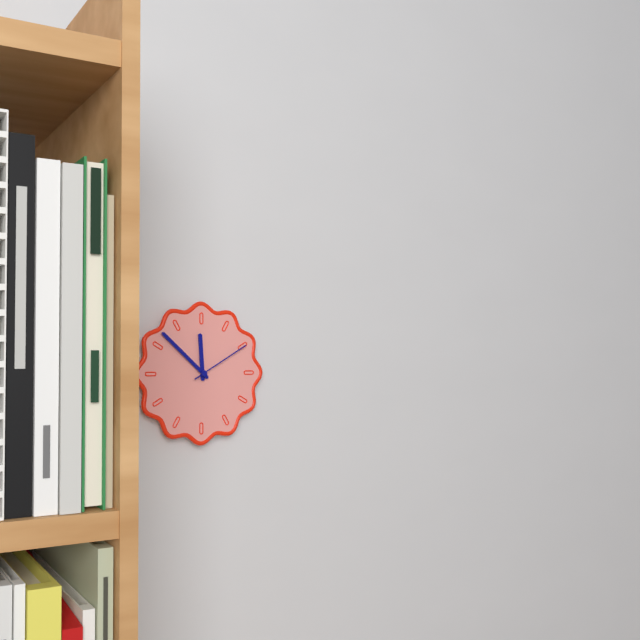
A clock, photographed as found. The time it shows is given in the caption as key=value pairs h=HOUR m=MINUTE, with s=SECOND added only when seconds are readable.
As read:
h=11 m=52 s=10
